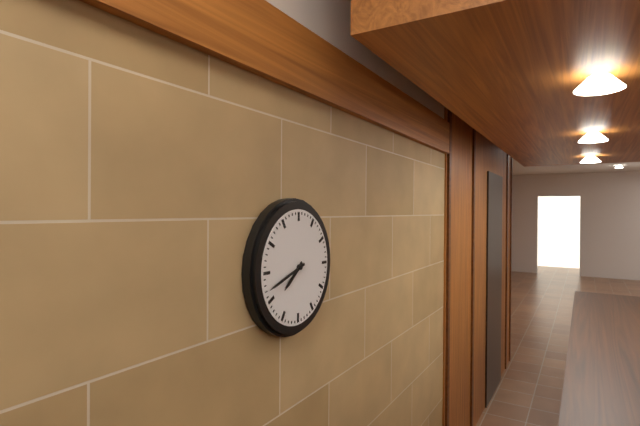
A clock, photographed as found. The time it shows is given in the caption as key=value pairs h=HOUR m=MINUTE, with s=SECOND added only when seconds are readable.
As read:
h=7 m=42
